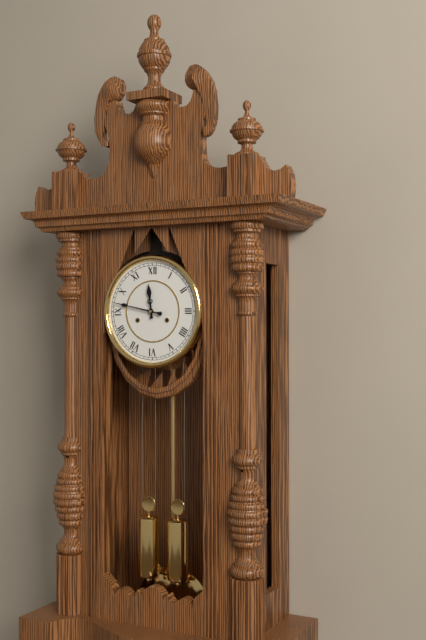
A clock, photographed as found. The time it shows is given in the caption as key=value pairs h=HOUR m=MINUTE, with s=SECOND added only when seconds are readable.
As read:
h=11 m=47
